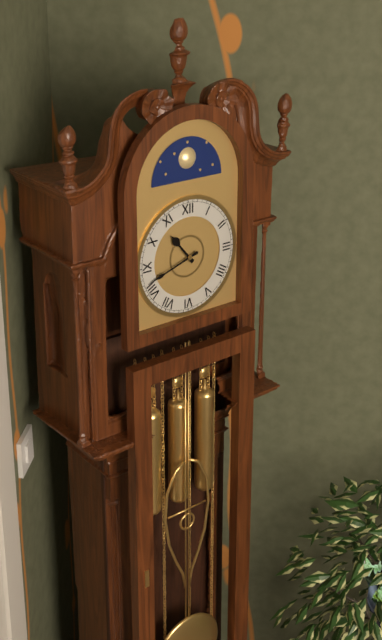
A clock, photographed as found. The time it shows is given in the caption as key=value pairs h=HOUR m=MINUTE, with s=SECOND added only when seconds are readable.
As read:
h=10 m=42
